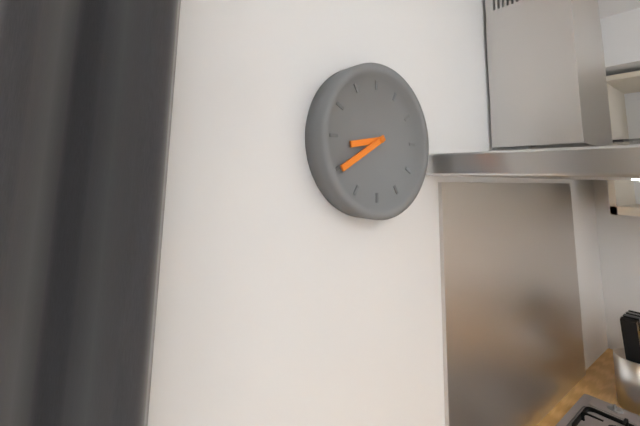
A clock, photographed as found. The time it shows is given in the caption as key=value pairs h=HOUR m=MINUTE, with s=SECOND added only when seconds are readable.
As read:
h=8 m=40
